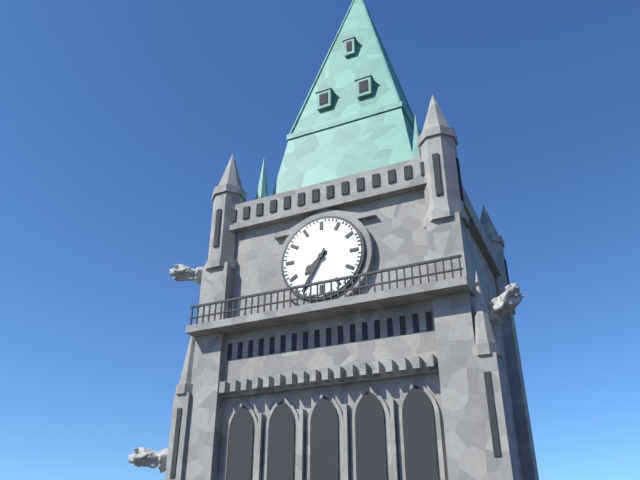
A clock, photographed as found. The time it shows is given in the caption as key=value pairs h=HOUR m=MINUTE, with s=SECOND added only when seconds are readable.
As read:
h=7 m=35
